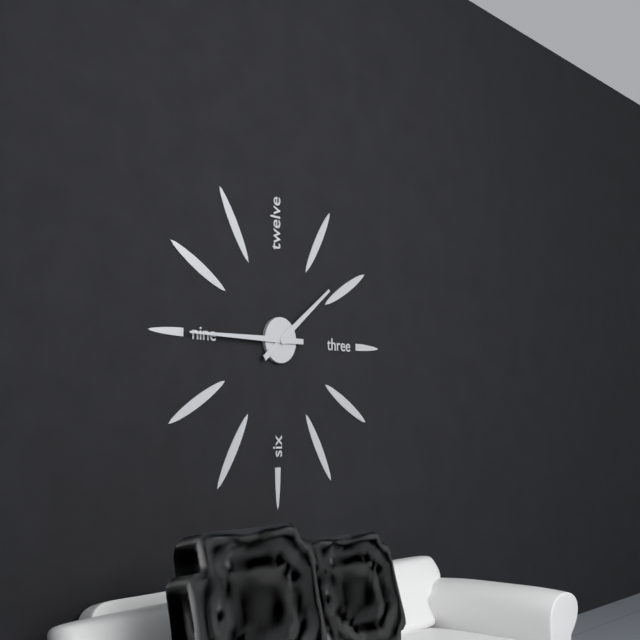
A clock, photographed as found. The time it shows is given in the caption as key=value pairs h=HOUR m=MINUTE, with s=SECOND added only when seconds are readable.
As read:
h=1 m=45
